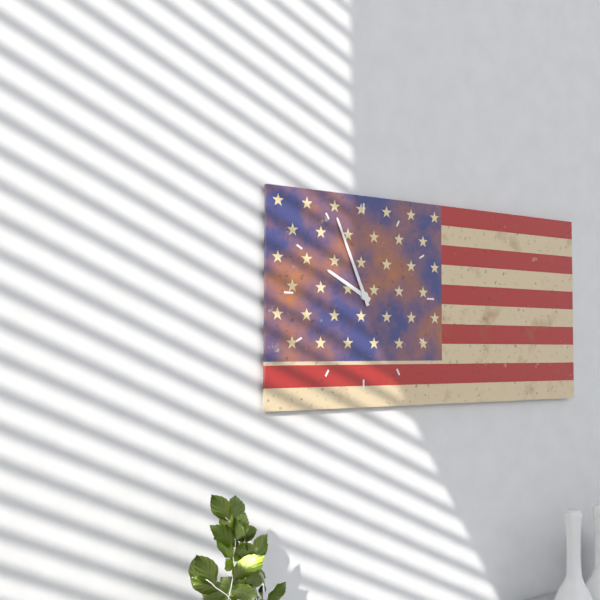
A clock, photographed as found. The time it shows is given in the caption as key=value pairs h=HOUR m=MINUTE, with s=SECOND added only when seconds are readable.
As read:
h=9 m=56
